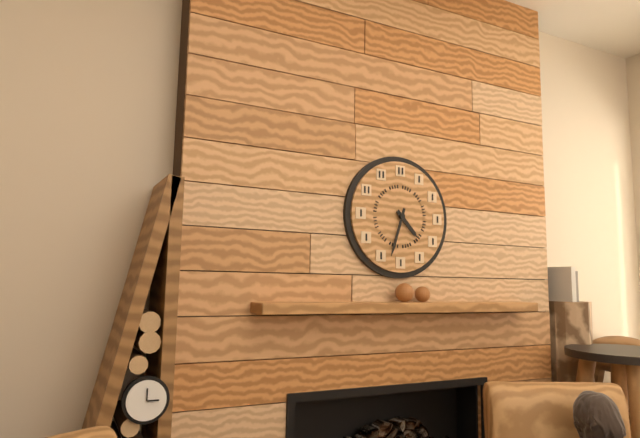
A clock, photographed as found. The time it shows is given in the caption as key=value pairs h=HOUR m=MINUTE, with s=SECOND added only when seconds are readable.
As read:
h=4 m=33
